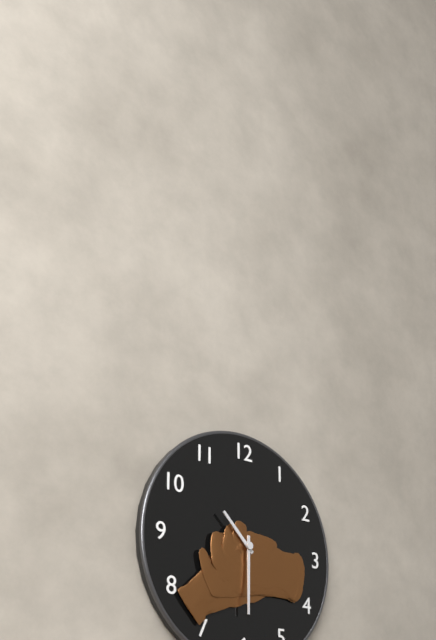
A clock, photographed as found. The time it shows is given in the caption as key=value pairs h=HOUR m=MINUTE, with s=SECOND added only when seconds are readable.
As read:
h=10 m=30
